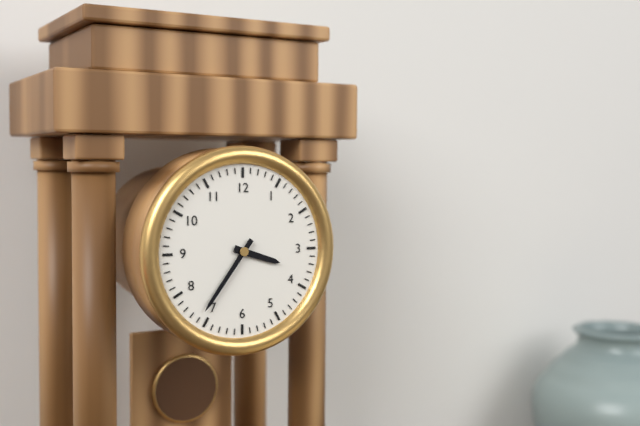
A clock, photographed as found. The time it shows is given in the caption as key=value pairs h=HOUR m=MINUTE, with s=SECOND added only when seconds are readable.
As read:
h=3 m=36
